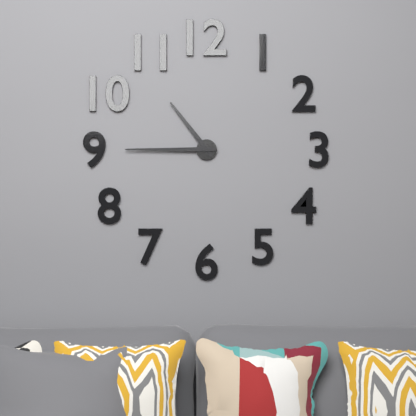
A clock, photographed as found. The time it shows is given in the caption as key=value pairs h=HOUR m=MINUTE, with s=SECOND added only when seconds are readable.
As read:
h=10 m=45
